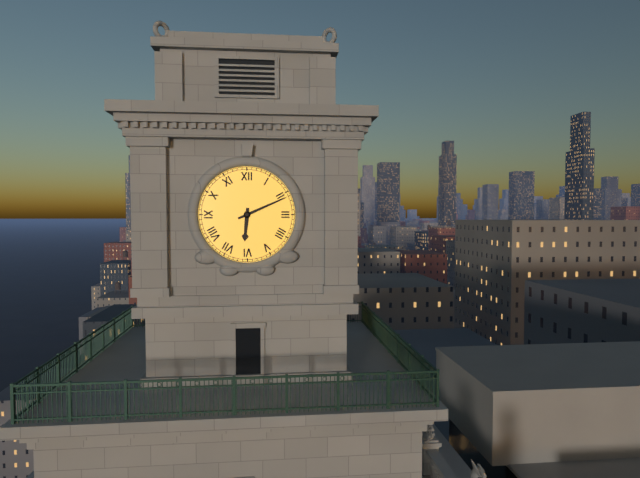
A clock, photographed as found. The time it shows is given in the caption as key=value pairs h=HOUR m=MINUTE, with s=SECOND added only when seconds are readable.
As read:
h=6 m=11
